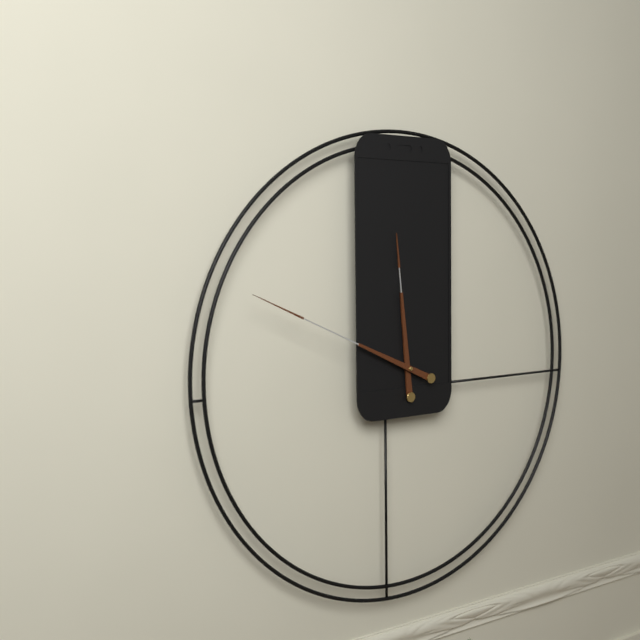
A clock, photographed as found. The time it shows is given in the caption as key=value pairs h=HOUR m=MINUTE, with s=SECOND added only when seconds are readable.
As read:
h=11 m=49
